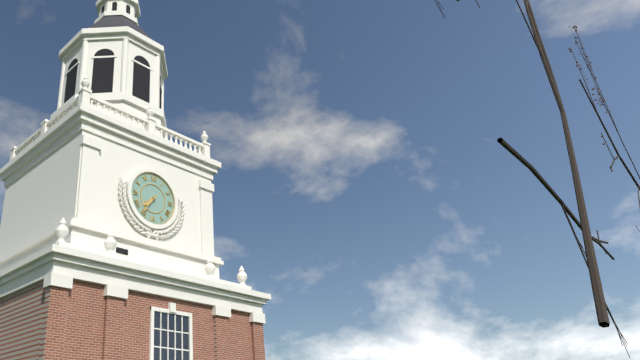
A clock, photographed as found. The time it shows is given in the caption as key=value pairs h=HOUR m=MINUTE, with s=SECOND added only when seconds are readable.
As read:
h=7 m=36
